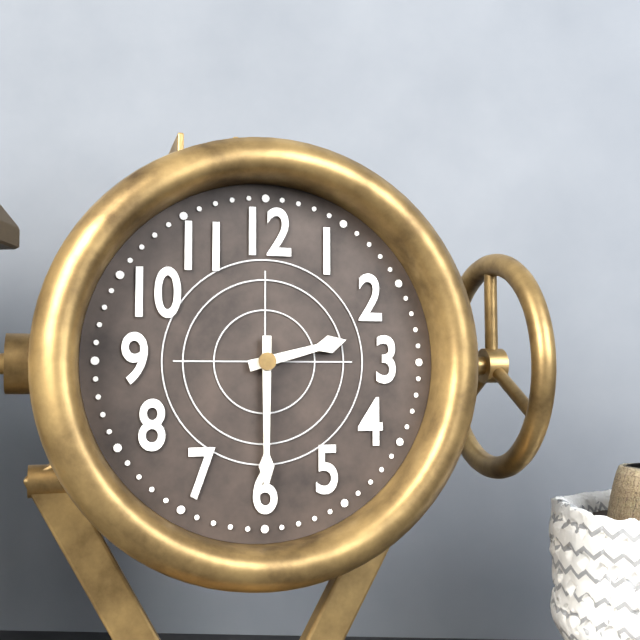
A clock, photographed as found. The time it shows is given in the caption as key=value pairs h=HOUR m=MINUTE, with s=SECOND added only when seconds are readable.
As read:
h=2 m=30
